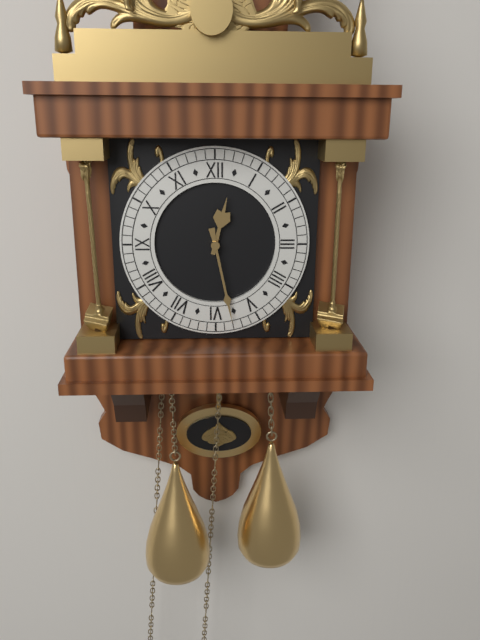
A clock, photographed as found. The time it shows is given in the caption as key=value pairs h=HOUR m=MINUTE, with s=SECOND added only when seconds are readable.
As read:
h=12 m=28
